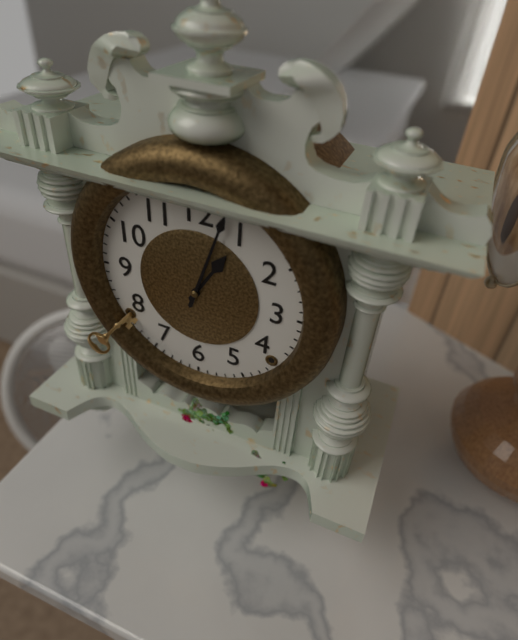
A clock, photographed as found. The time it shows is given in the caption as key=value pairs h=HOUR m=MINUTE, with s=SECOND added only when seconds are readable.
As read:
h=1 m=3
